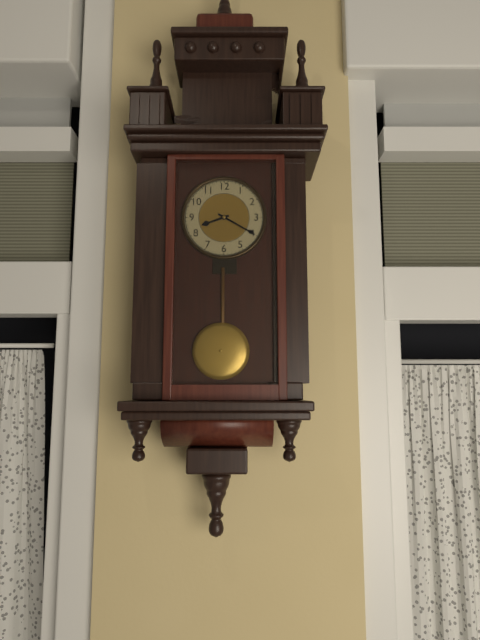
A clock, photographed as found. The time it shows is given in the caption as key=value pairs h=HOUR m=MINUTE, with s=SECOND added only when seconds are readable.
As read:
h=8 m=20
